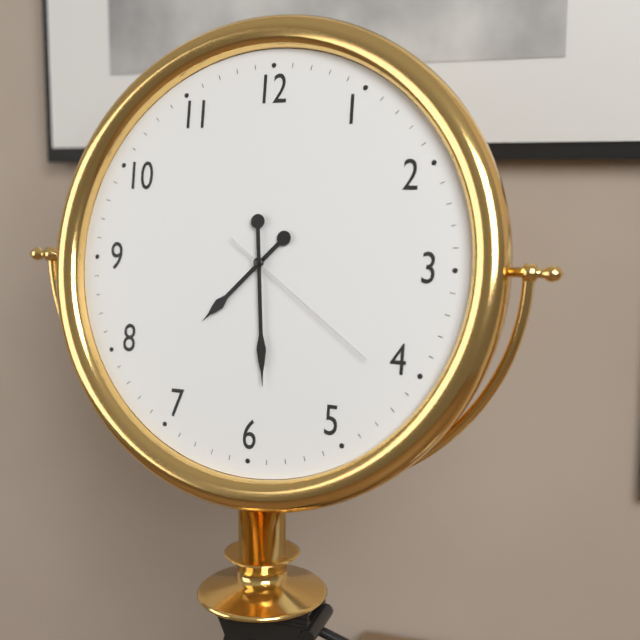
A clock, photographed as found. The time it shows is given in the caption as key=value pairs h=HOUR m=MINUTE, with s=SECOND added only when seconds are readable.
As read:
h=7 m=29 s=21
